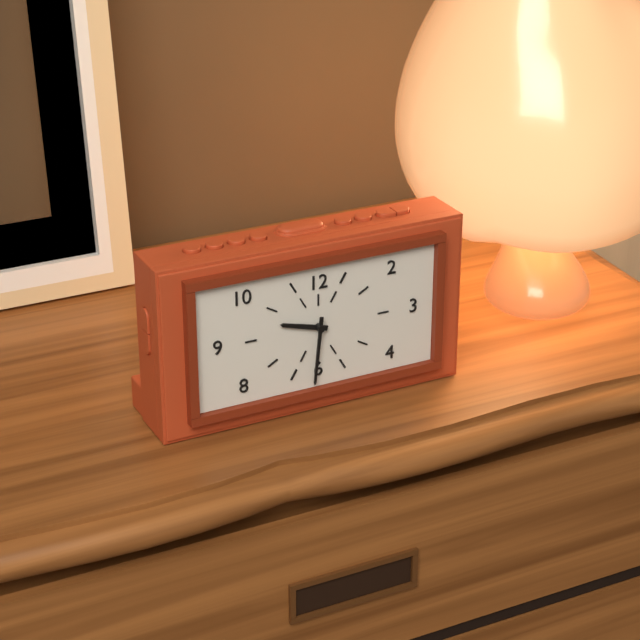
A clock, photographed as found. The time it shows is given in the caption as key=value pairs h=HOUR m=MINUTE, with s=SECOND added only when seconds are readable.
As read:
h=9 m=31
